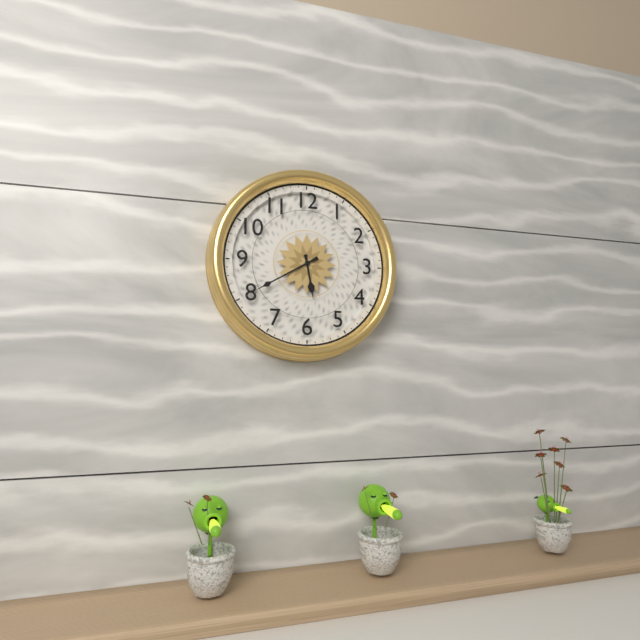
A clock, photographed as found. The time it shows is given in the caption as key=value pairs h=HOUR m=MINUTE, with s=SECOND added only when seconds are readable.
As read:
h=5 m=40
